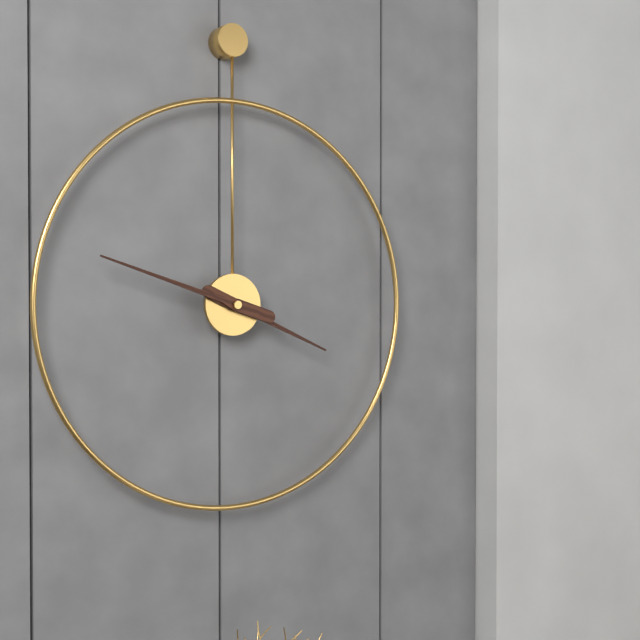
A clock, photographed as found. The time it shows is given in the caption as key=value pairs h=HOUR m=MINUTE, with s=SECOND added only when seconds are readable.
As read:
h=3 m=48
